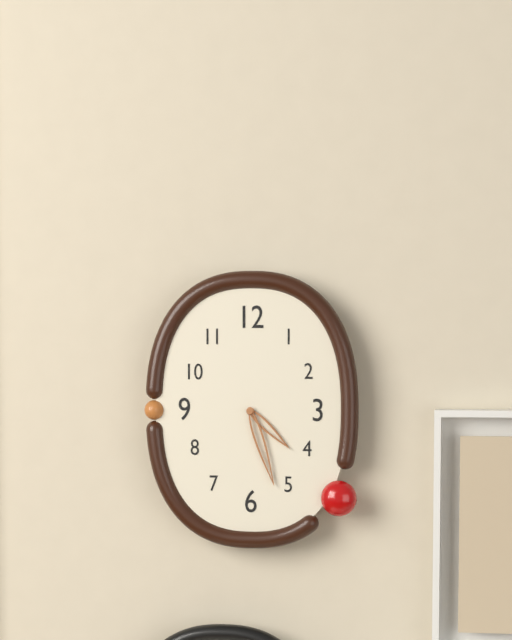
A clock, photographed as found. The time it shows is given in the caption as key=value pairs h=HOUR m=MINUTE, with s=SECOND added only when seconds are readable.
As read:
h=4 m=27
